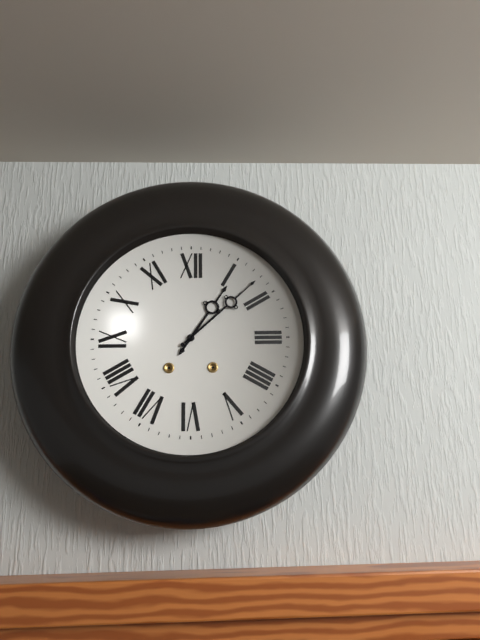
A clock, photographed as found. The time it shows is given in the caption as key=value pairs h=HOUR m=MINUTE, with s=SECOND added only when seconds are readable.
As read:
h=1 m=8
